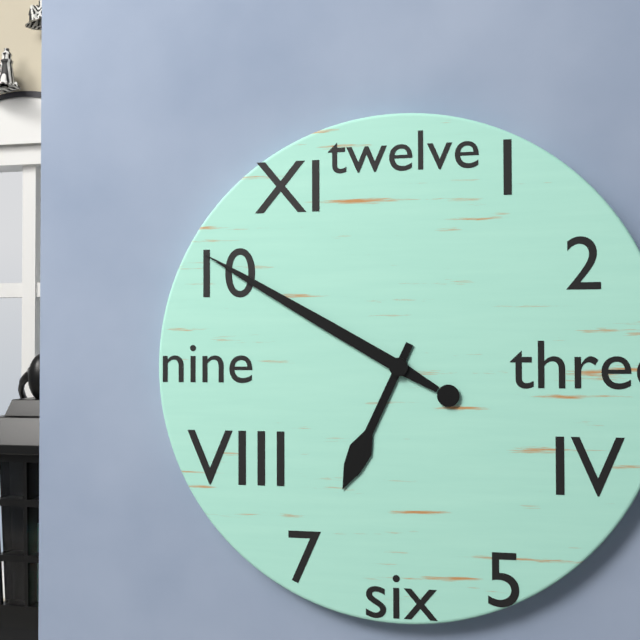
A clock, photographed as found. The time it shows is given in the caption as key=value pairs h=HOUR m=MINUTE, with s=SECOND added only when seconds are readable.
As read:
h=6 m=50
